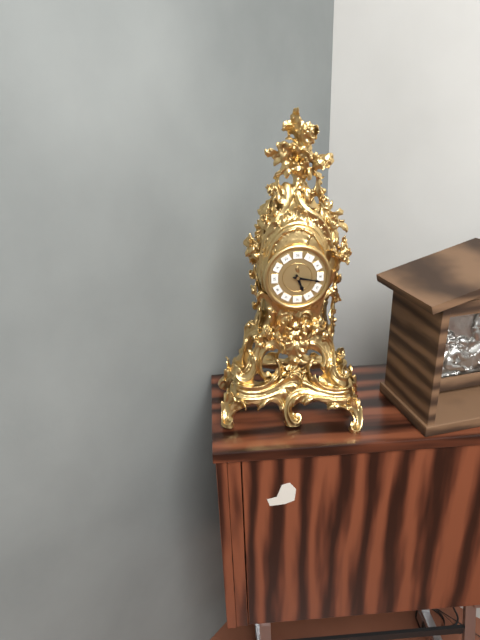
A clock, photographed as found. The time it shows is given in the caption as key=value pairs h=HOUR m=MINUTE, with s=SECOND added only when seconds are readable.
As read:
h=5 m=17
